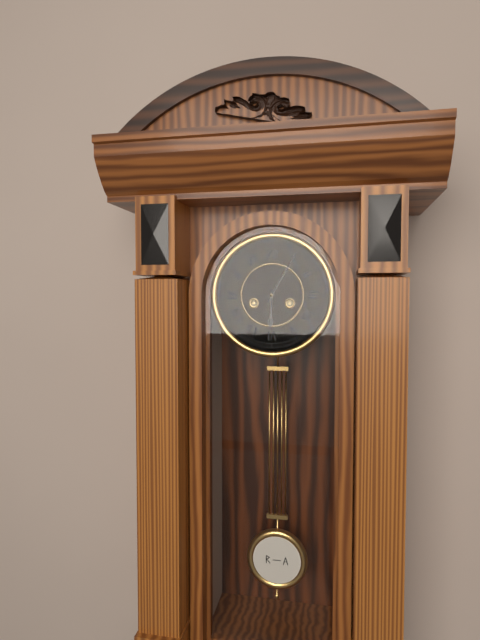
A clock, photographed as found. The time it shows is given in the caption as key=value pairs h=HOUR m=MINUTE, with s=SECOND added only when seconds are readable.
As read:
h=6 m=5
